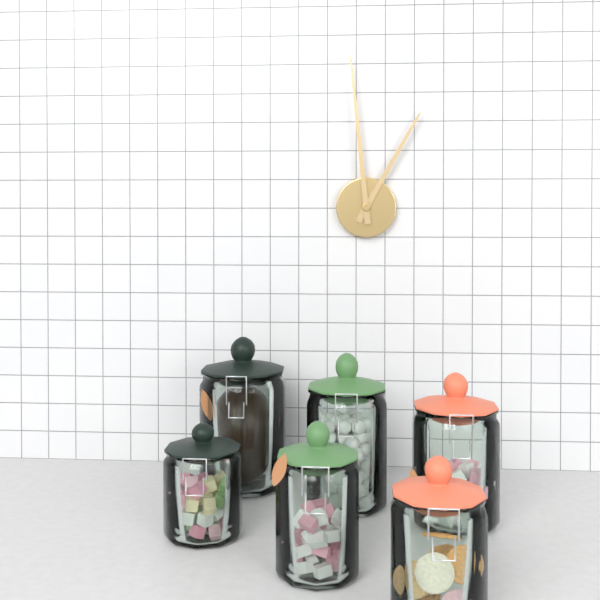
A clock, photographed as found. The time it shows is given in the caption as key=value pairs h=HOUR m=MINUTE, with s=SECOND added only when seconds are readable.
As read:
h=12 m=59
